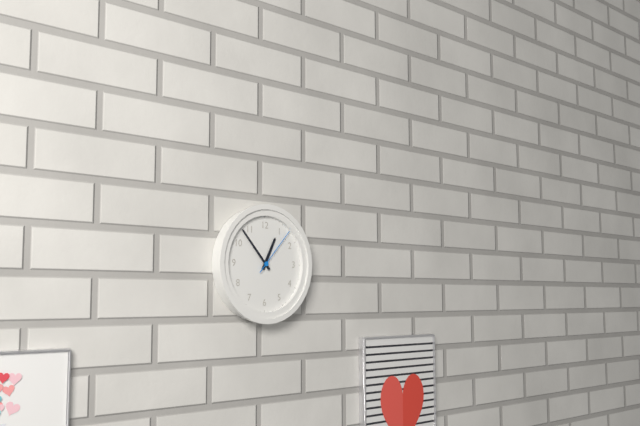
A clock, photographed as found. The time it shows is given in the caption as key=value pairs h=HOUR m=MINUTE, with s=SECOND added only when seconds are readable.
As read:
h=12 m=53 s=7
